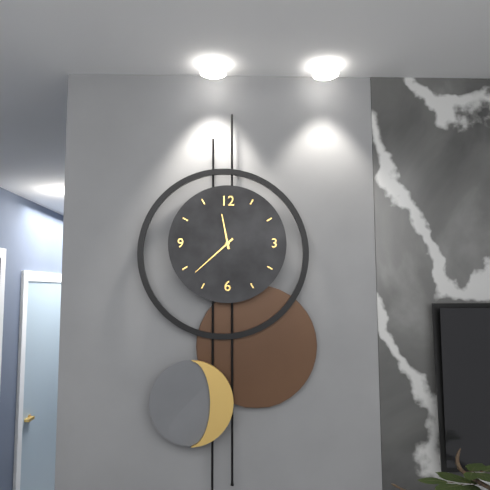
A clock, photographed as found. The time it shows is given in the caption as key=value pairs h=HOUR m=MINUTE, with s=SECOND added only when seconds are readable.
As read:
h=11 m=38
